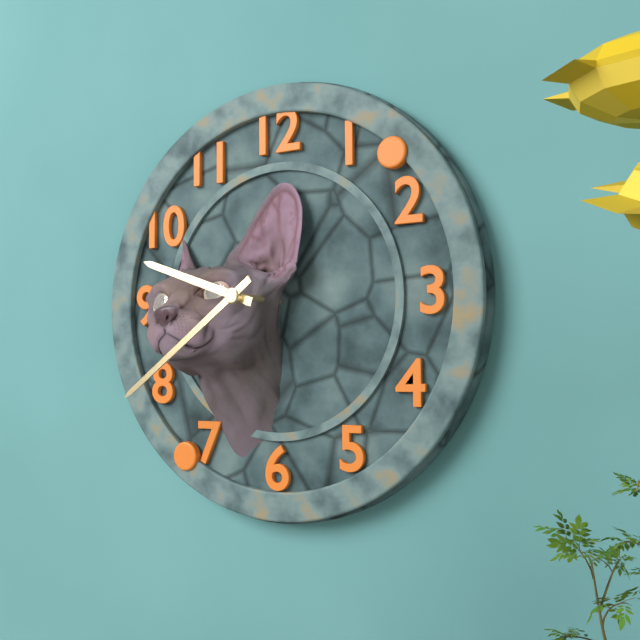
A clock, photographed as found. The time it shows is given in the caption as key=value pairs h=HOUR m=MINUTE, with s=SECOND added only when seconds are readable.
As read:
h=9 m=39
